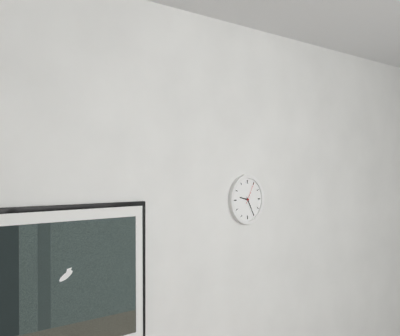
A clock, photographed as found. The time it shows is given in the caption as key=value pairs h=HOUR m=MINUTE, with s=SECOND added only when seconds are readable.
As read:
h=9 m=25
